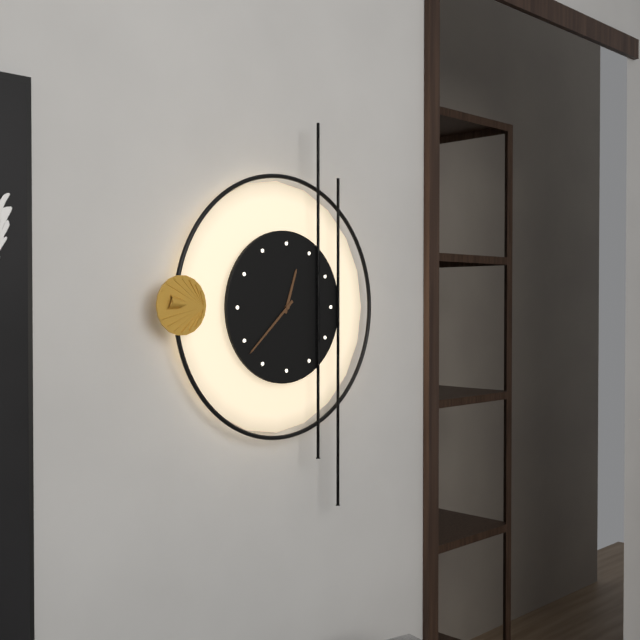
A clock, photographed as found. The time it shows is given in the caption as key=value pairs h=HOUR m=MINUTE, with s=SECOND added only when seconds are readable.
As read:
h=12 m=38
